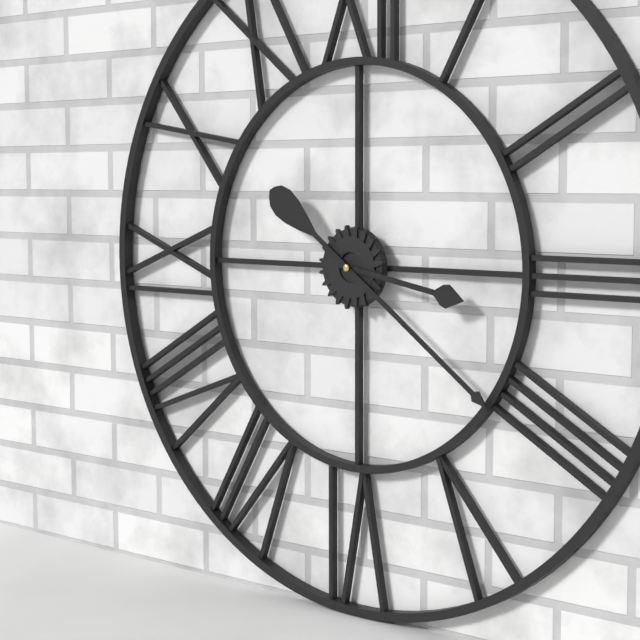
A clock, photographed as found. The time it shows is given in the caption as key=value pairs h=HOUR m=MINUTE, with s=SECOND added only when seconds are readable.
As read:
h=3 m=21
